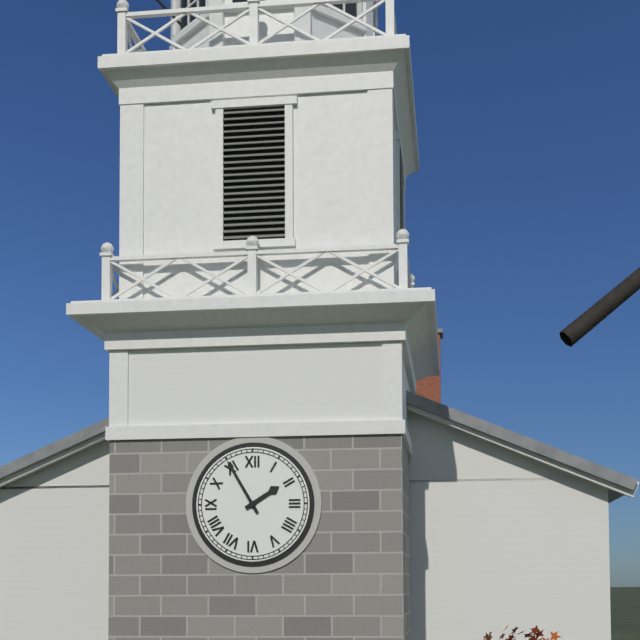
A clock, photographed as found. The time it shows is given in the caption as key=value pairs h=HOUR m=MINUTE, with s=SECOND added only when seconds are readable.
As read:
h=1 m=55
